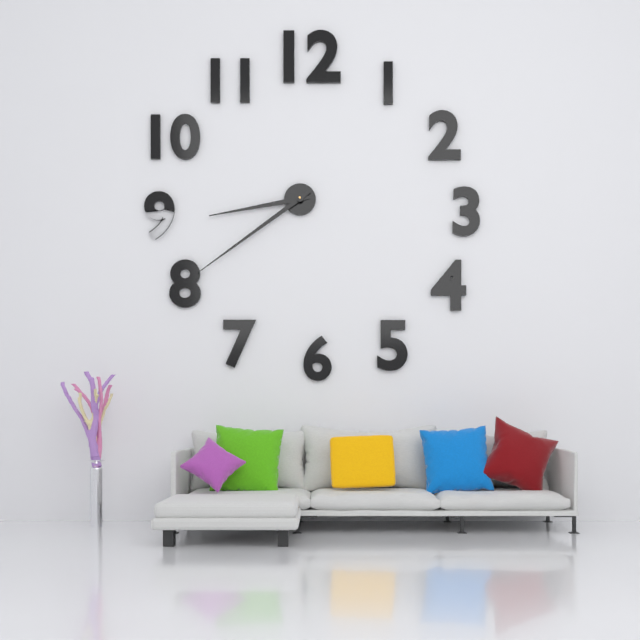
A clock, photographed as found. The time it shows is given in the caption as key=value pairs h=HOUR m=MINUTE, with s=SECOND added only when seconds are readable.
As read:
h=8 m=39
